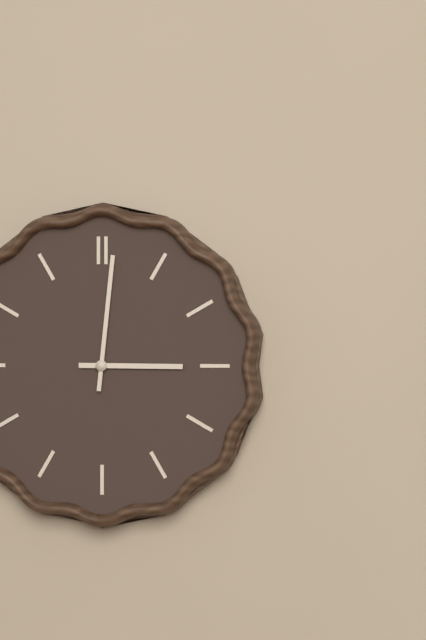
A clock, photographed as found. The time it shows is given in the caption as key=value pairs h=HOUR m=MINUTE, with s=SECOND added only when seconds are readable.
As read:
h=3 m=1
